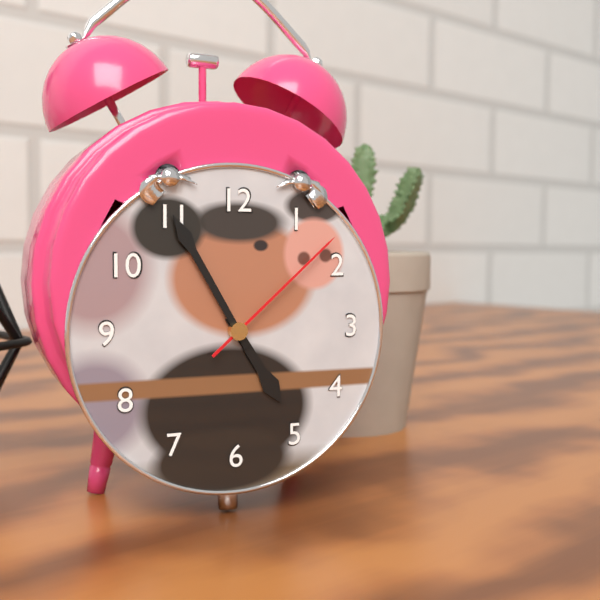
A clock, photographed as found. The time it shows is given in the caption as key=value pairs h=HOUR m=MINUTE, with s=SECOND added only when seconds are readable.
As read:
h=4 m=55 s=8
